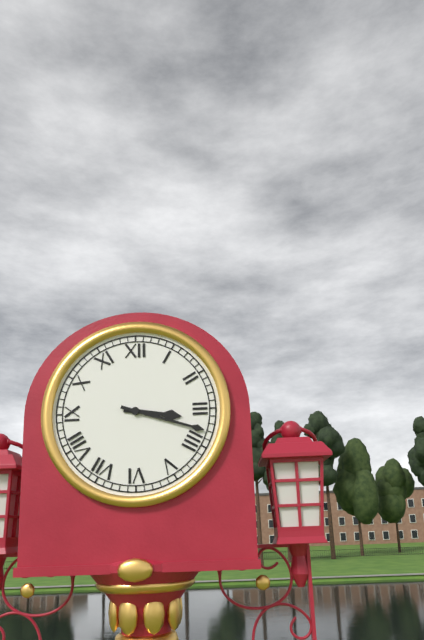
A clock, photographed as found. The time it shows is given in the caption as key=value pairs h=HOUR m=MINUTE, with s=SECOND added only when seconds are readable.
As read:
h=3 m=18
